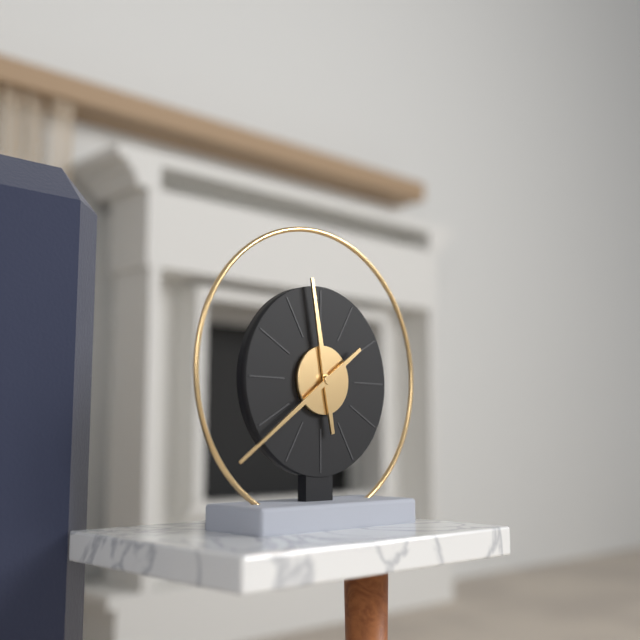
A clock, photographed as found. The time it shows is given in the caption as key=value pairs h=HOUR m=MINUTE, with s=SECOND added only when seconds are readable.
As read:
h=11 m=39
